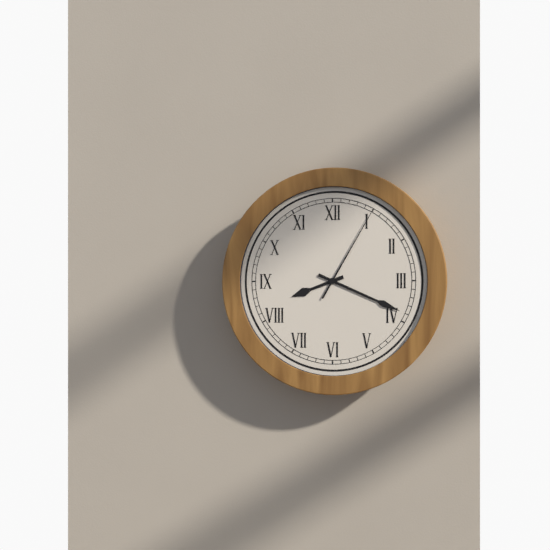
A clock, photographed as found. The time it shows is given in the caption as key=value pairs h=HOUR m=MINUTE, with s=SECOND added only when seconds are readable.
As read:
h=8 m=19 s=5
